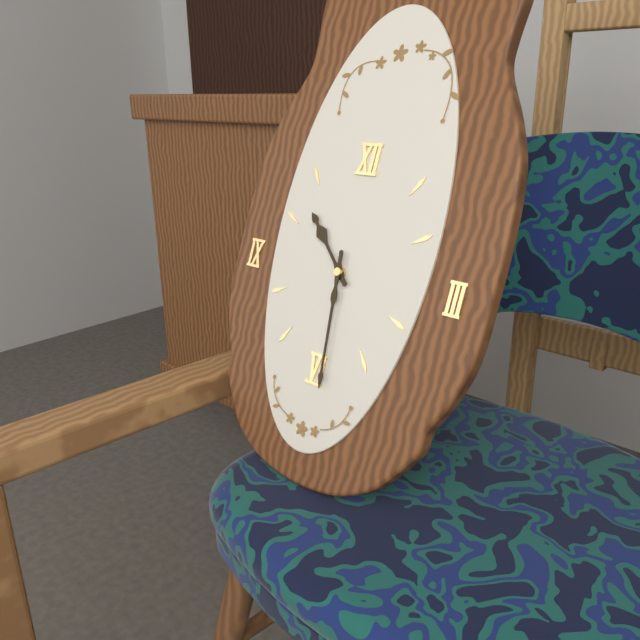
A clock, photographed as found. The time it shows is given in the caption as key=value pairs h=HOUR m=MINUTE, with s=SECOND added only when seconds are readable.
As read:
h=10 m=29
